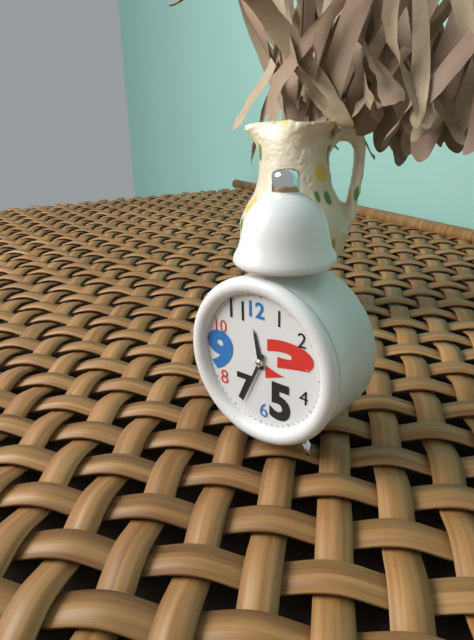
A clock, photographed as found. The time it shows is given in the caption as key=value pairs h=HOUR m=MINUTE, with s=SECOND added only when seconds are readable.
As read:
h=11 m=34
